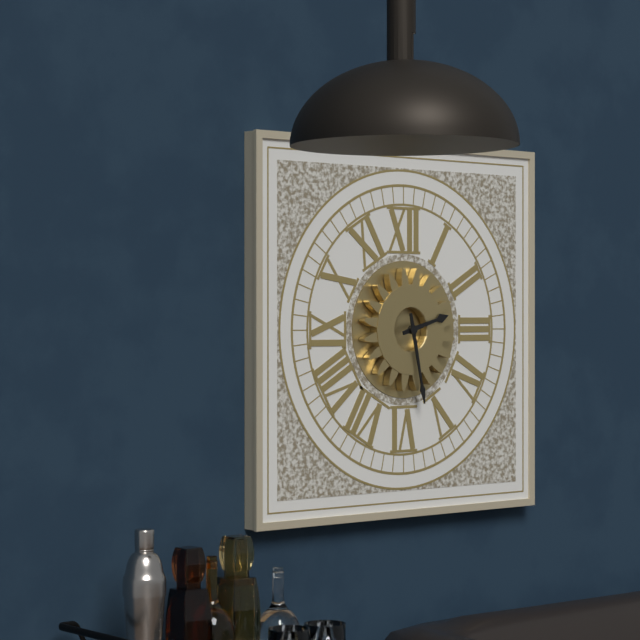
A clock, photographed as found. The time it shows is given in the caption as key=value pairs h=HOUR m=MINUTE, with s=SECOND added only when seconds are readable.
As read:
h=2 m=28
